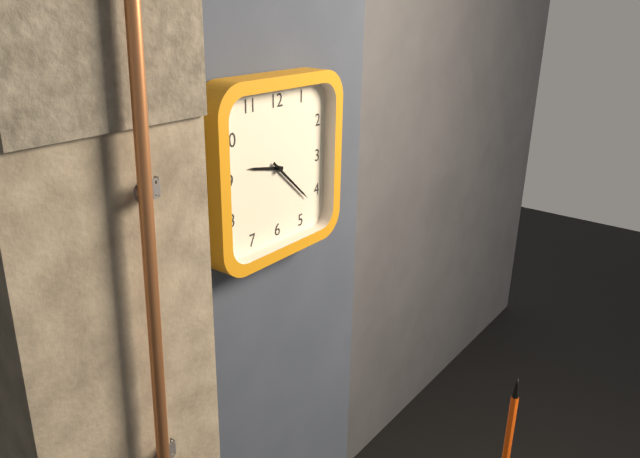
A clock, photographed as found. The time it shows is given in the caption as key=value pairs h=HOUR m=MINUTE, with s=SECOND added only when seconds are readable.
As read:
h=9 m=22
